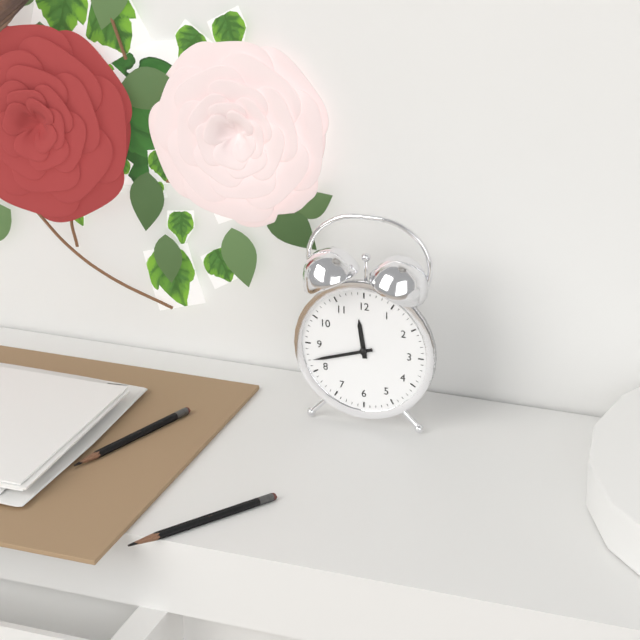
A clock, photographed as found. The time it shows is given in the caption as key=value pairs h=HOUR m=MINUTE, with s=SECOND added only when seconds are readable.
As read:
h=11 m=42
